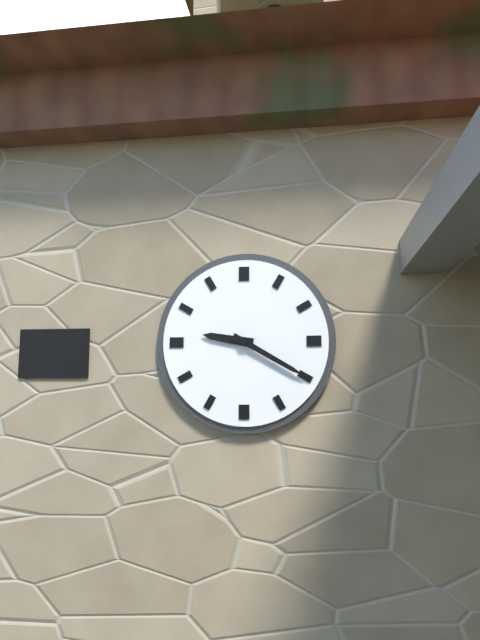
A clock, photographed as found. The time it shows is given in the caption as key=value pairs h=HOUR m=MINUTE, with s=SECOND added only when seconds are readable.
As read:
h=9 m=20
